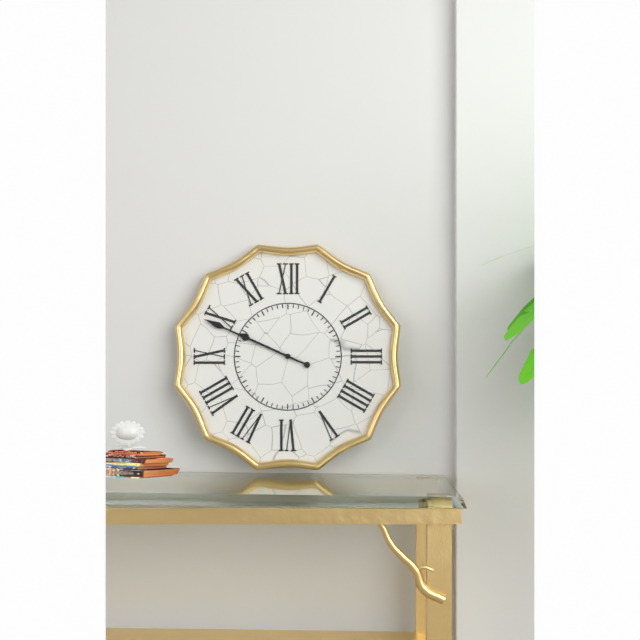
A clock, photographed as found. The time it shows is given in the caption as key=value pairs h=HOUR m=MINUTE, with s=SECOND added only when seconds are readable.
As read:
h=9 m=49
